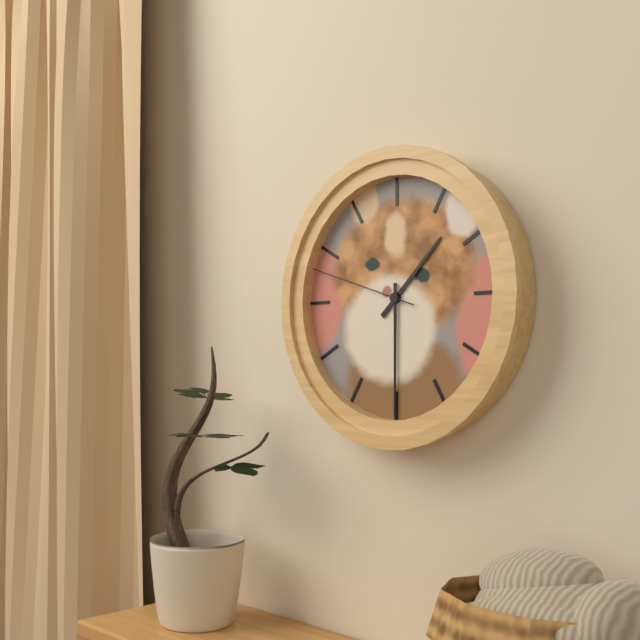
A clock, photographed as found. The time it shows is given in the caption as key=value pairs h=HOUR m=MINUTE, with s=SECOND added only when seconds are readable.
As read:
h=1 m=30 s=48
